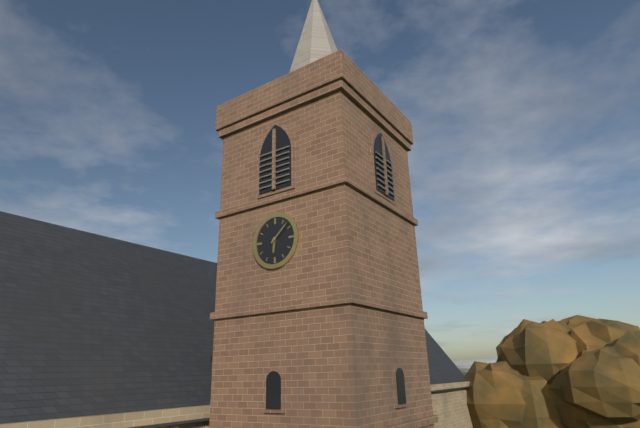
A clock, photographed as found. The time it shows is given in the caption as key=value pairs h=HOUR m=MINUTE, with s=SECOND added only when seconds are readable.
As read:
h=6 m=8
